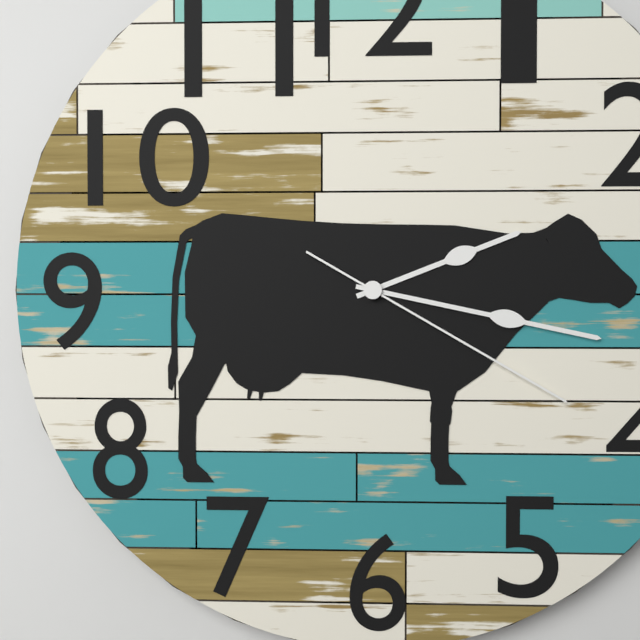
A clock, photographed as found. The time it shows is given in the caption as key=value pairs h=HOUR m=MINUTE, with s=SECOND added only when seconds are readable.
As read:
h=2 m=17 s=20
